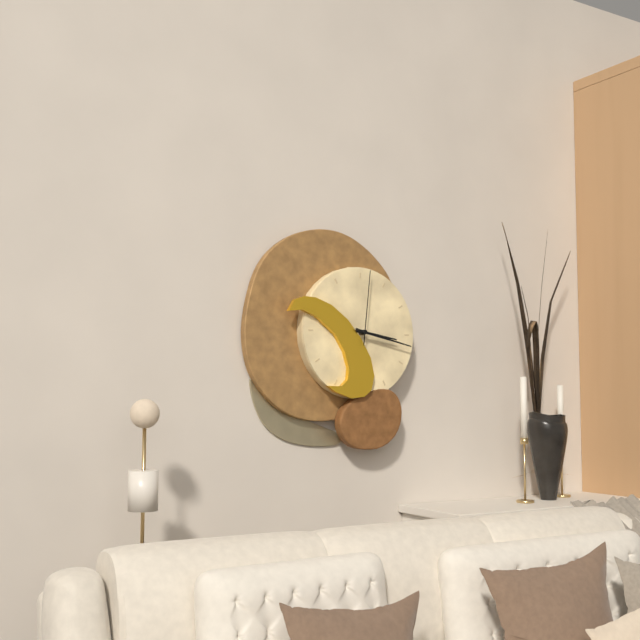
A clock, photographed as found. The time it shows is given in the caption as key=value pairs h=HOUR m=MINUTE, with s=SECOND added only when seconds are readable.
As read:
h=3 m=17 s=1
